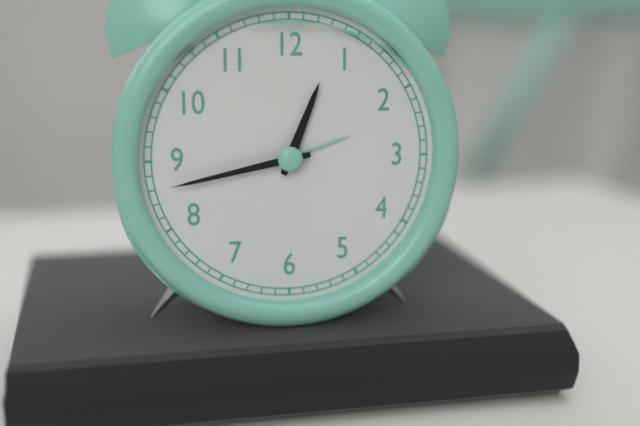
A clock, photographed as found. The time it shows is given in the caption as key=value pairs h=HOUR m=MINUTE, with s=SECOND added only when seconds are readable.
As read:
h=12 m=43
